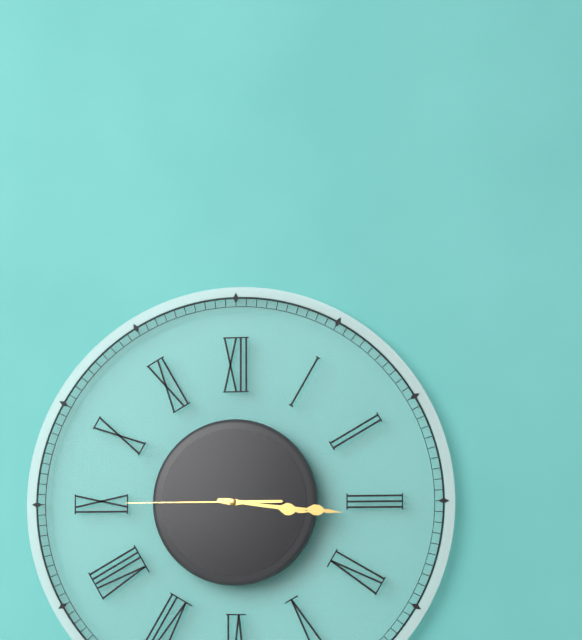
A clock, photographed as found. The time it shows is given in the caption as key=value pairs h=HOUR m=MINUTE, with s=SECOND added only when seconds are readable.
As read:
h=3 m=16 s=45
